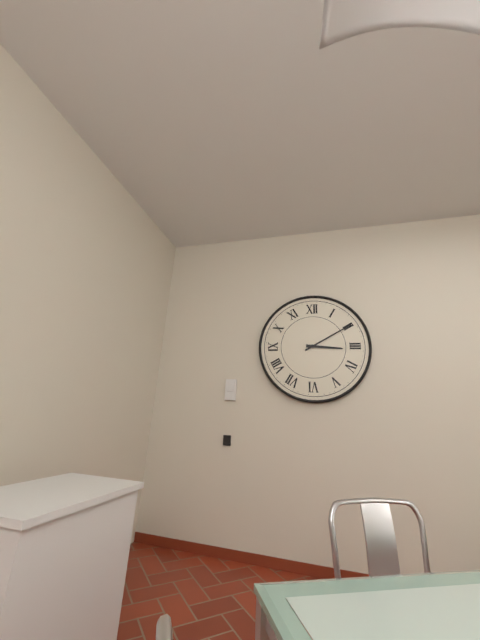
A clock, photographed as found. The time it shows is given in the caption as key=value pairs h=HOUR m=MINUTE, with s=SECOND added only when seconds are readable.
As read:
h=3 m=10
